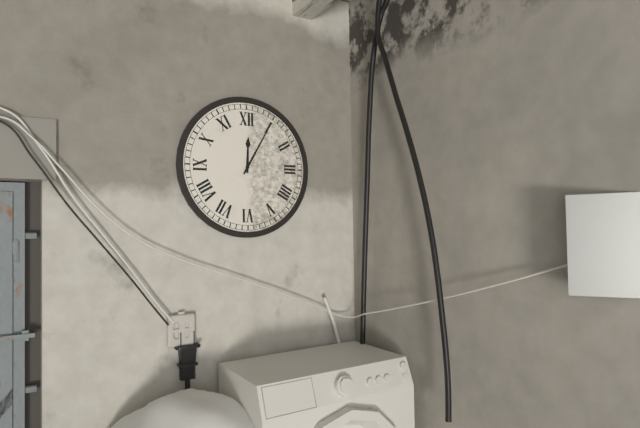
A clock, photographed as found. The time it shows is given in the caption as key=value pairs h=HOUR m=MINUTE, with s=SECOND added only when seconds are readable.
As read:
h=12 m=5
